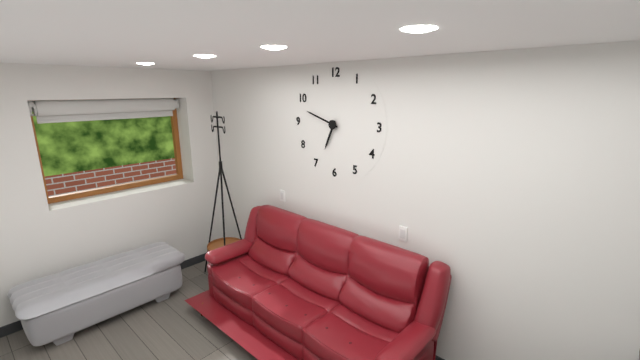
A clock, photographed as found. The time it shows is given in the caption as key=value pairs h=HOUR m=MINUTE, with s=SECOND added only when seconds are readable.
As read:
h=6 m=48
